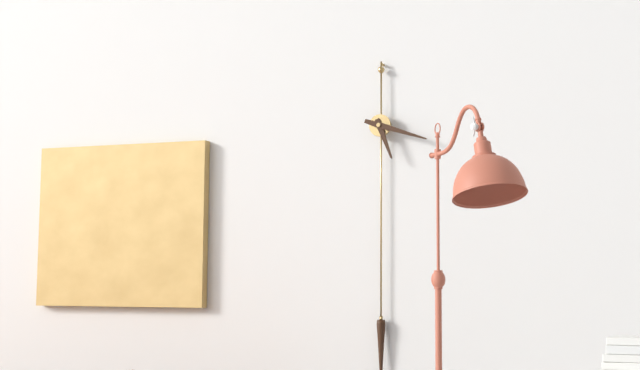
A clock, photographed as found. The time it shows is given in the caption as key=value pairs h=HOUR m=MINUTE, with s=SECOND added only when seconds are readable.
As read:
h=5 m=18
